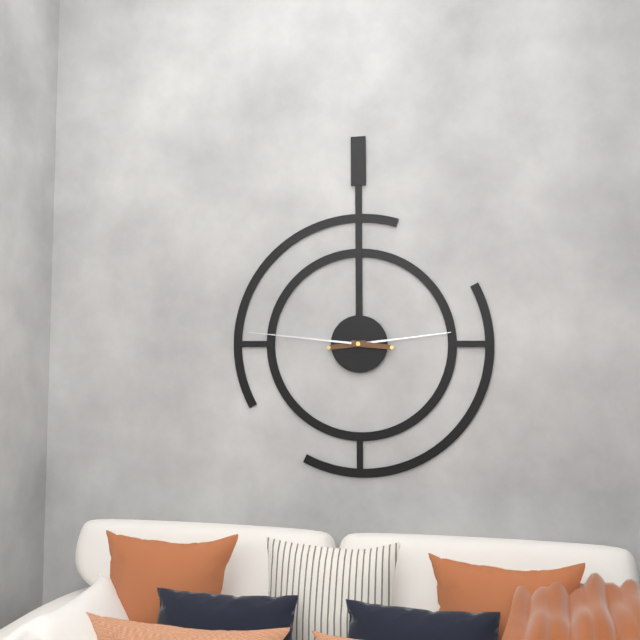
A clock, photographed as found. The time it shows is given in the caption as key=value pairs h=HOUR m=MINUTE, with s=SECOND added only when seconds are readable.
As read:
h=2 m=46
